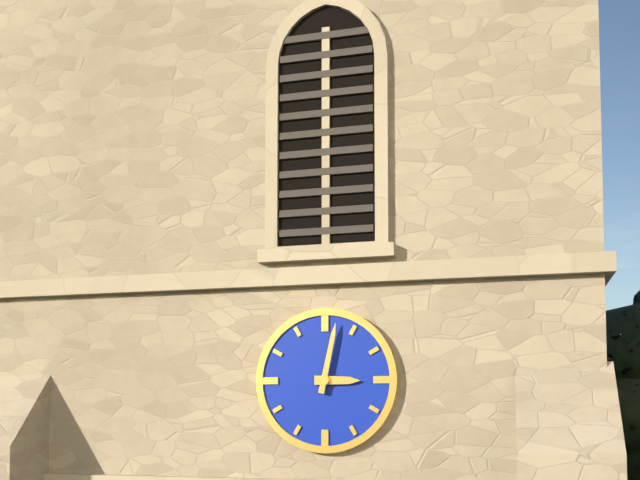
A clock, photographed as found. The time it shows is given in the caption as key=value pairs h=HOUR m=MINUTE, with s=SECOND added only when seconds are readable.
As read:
h=3 m=2
